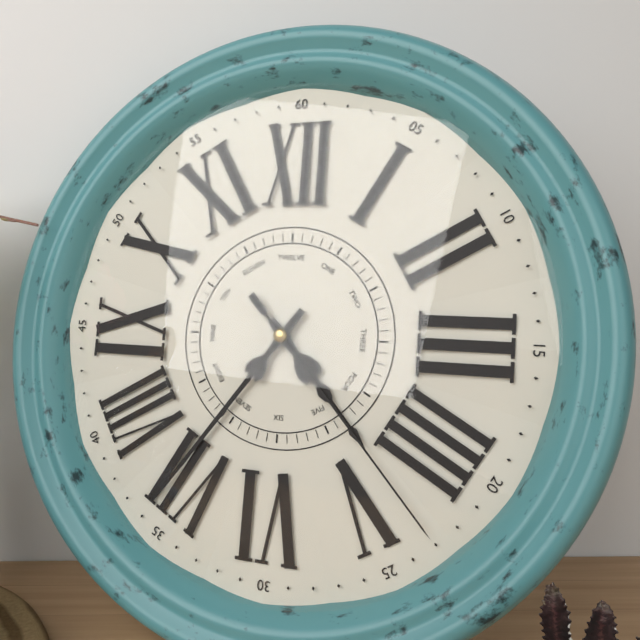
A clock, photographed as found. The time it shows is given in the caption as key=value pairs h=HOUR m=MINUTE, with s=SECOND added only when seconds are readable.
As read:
h=4 m=36 s=23
